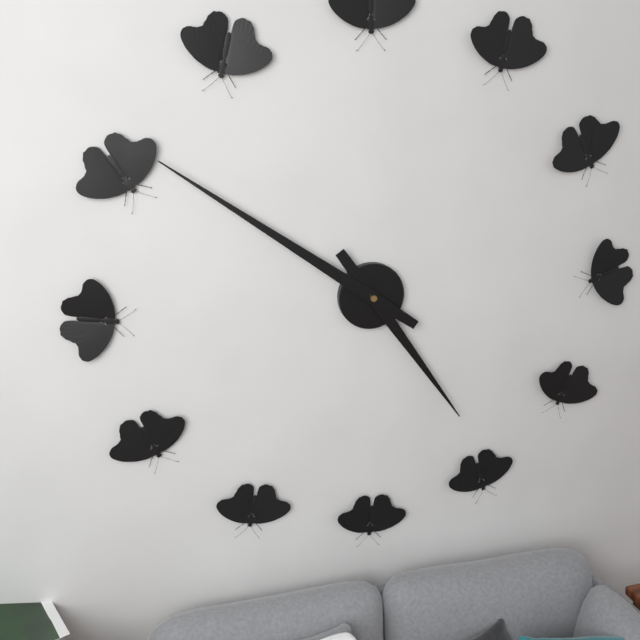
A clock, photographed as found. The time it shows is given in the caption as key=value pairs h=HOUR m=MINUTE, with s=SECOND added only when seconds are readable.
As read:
h=4 m=51
